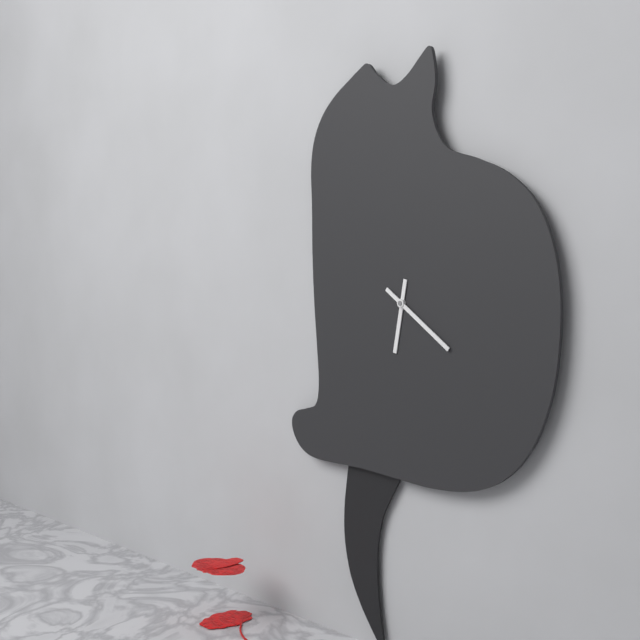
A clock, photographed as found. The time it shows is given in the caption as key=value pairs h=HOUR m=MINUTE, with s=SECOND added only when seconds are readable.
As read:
h=6 m=21
